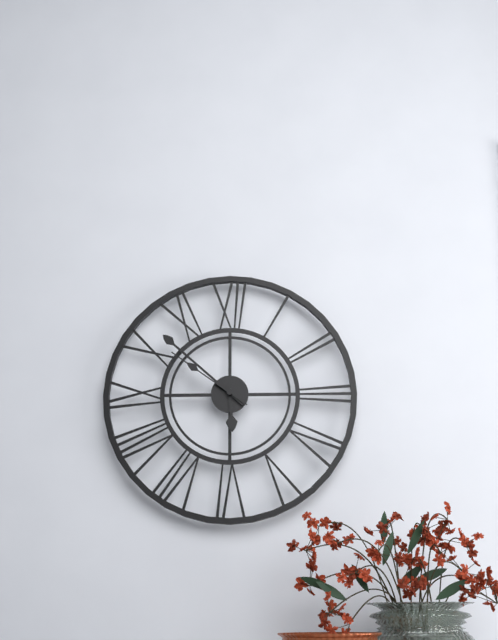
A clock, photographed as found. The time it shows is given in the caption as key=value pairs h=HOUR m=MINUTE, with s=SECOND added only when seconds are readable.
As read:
h=5 m=52 s=51
